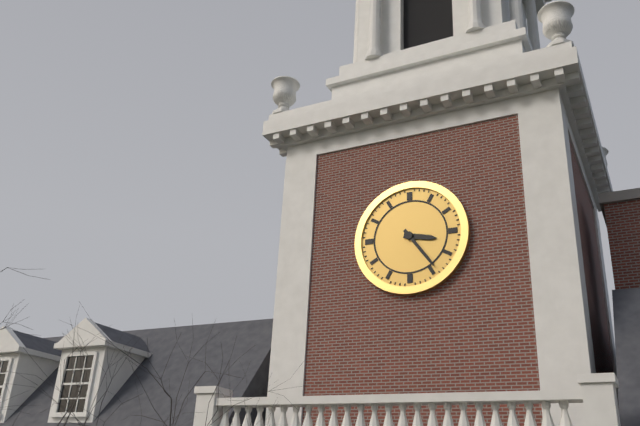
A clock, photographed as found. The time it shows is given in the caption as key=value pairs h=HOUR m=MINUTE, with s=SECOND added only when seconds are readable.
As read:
h=3 m=24
